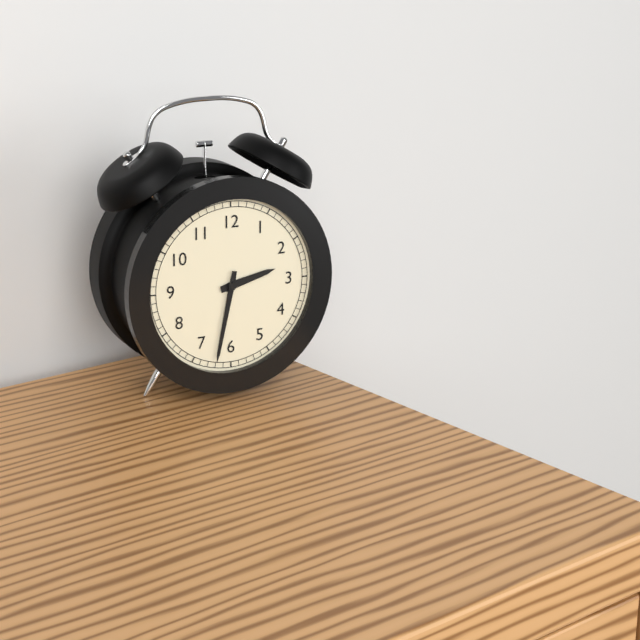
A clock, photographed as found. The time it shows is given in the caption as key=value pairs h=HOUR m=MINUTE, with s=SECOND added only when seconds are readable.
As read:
h=2 m=32
